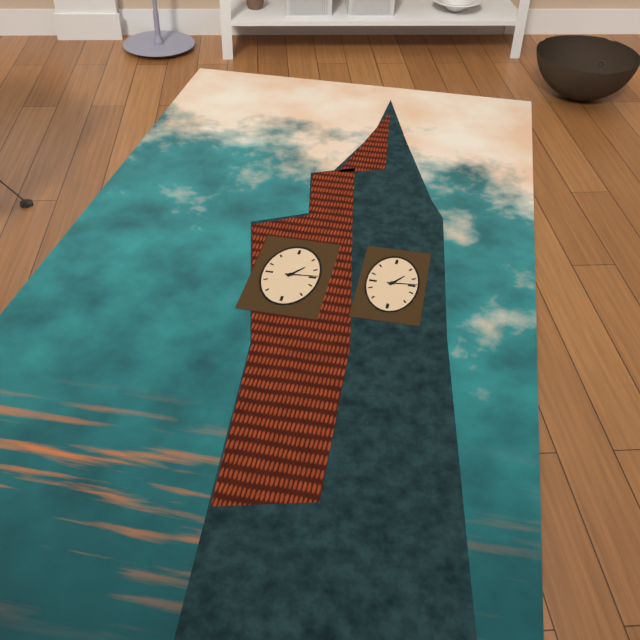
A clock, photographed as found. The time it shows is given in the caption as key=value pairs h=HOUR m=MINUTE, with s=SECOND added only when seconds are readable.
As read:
h=1 m=14
